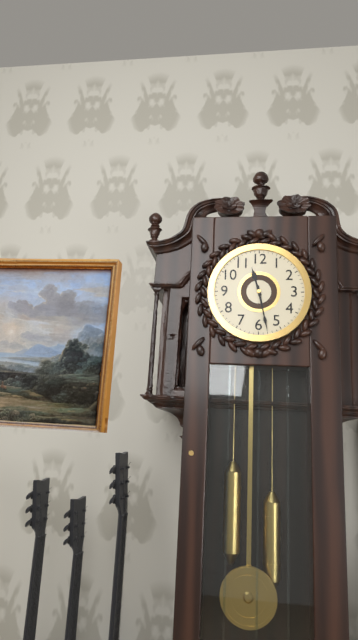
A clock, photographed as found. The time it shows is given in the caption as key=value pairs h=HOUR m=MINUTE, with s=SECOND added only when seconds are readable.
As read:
h=11 m=28
